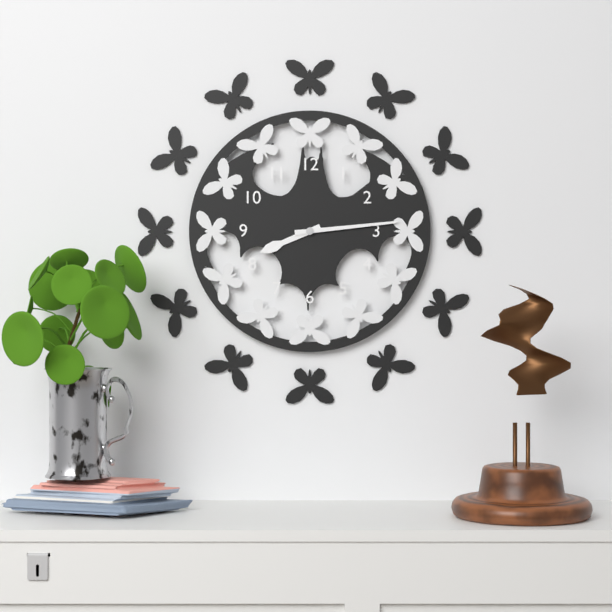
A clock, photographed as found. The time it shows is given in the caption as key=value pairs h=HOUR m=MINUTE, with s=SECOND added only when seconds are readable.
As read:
h=8 m=14
